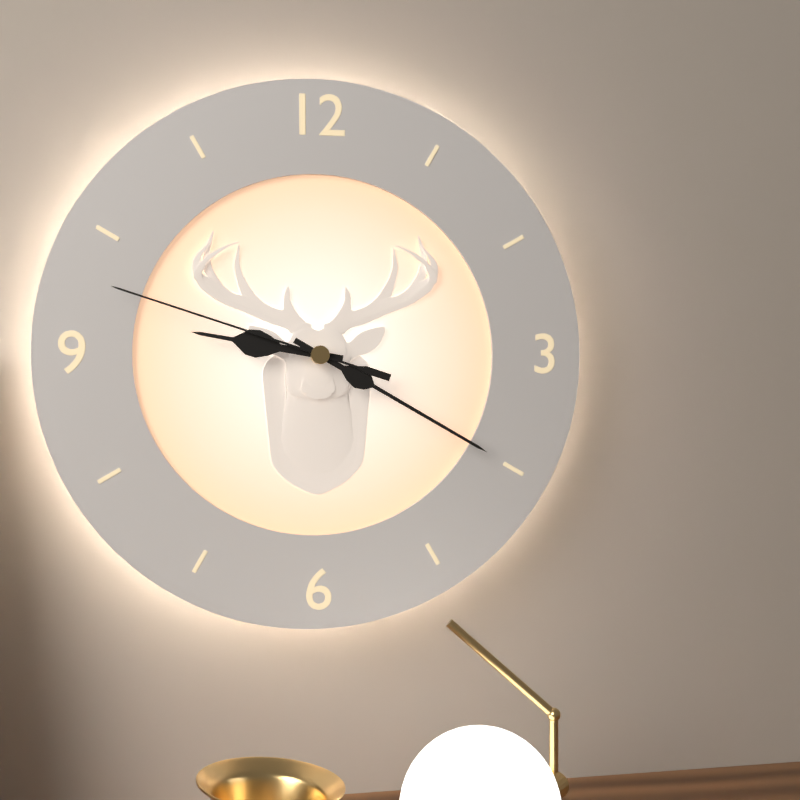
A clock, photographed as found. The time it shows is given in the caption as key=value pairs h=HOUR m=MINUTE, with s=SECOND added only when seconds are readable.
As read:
h=9 m=20 s=48
